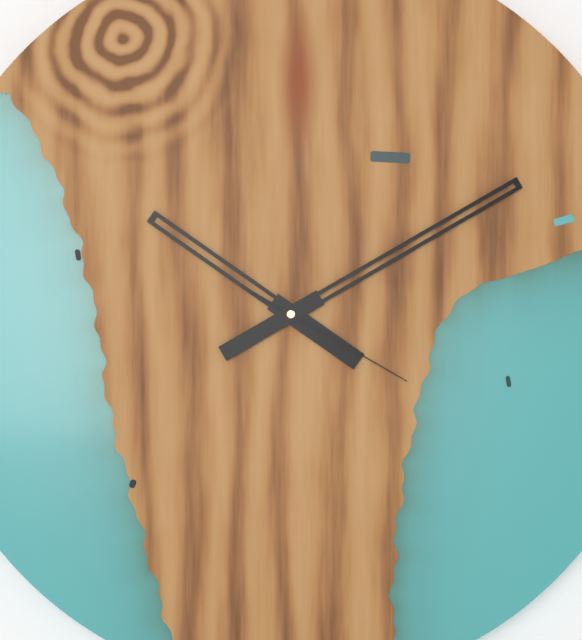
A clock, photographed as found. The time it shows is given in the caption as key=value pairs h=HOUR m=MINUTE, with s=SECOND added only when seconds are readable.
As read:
h=10 m=10 s=20
